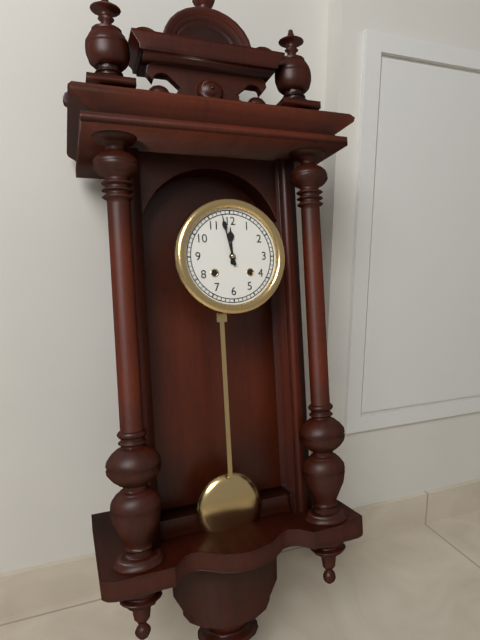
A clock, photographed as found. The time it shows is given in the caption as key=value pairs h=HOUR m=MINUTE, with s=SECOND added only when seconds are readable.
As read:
h=11 m=58
